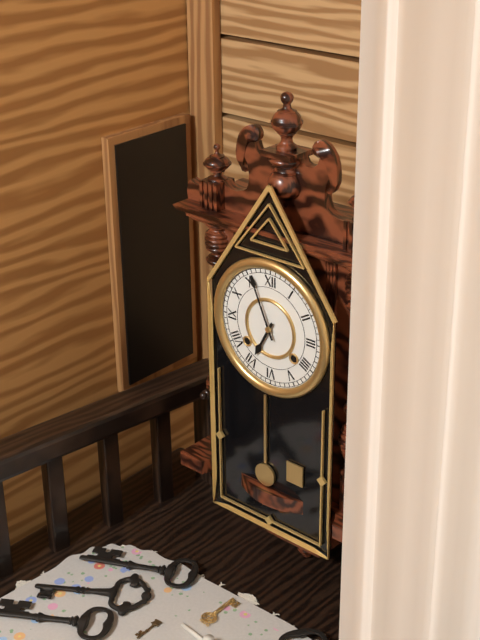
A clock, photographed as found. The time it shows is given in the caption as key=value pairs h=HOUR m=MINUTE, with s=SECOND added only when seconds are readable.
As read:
h=6 m=56
